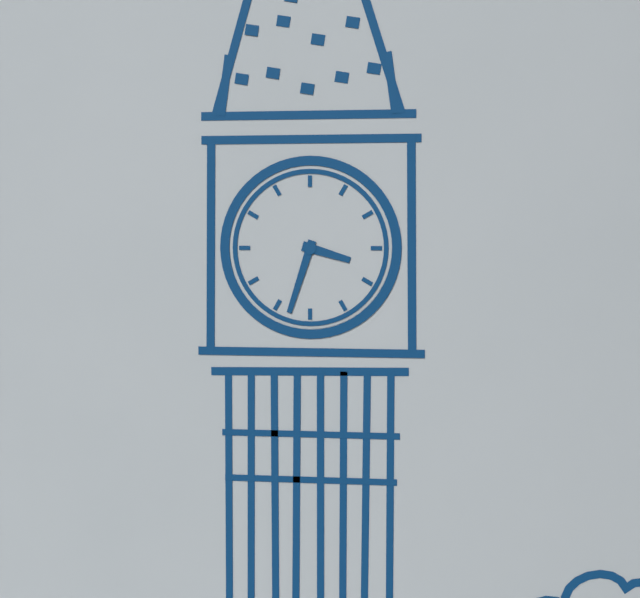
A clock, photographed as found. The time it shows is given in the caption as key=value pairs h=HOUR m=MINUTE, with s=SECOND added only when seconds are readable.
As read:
h=3 m=33
